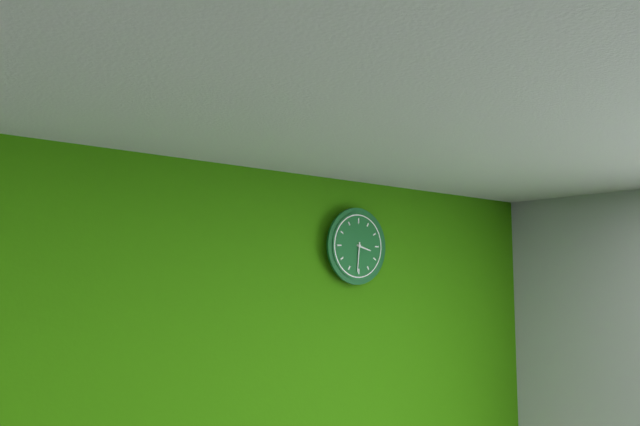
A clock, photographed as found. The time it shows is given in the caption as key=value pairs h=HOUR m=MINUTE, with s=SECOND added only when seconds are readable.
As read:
h=3 m=31
